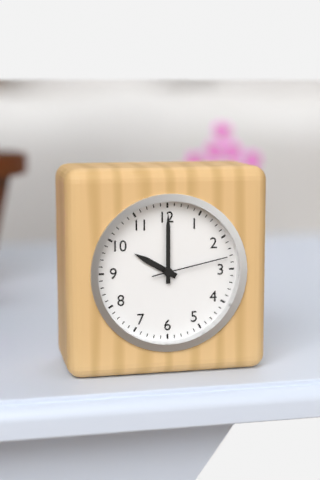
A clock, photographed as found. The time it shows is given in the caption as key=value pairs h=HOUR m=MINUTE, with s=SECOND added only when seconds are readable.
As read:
h=10 m=0 s=13
